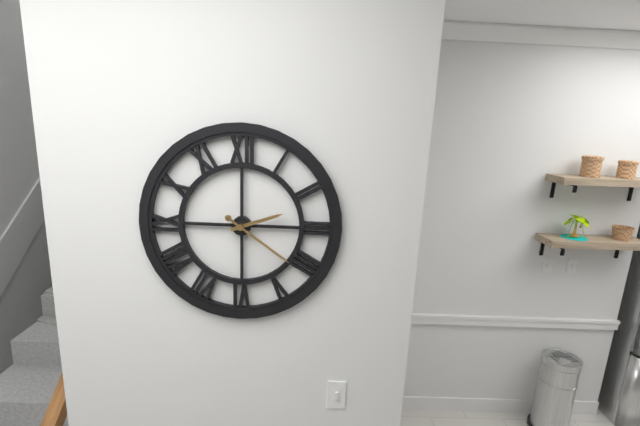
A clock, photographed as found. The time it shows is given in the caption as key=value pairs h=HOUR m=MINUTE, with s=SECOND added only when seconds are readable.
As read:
h=2 m=21
